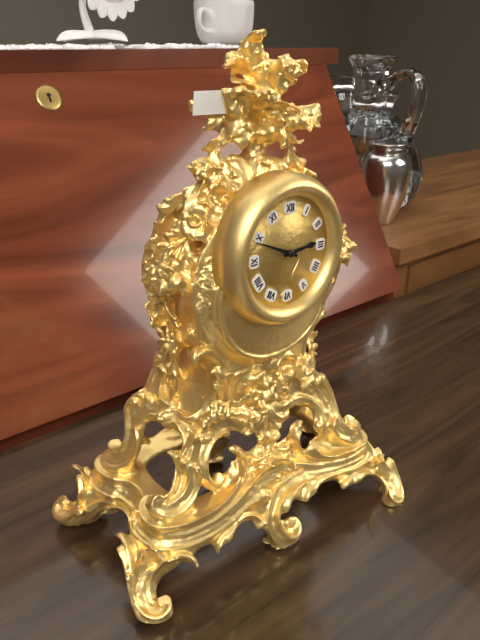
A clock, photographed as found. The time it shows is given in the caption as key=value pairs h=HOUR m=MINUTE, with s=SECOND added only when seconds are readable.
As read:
h=2 m=49
